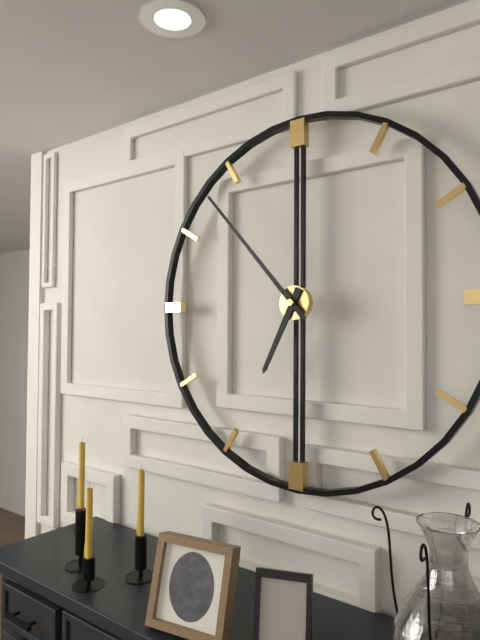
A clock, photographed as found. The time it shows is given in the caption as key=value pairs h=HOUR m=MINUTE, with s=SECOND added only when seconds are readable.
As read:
h=6 m=53
